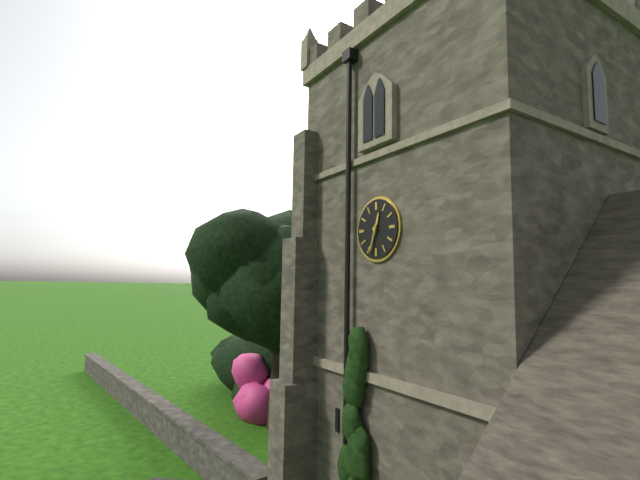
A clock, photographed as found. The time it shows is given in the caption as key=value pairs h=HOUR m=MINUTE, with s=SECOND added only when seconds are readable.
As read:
h=12 m=33
